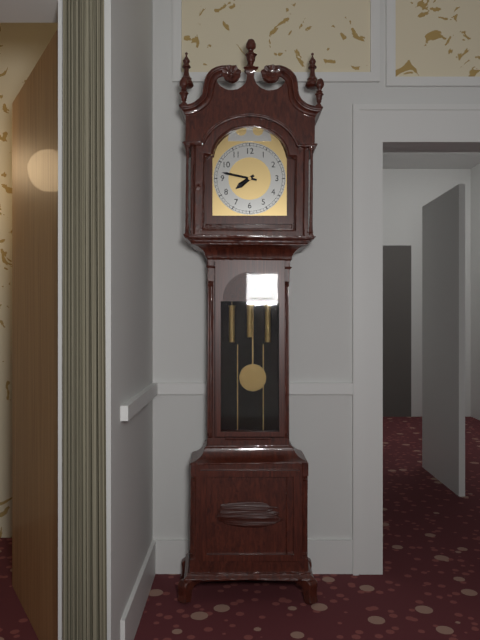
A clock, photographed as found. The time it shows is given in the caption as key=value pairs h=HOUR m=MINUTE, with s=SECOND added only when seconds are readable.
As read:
h=7 m=47
